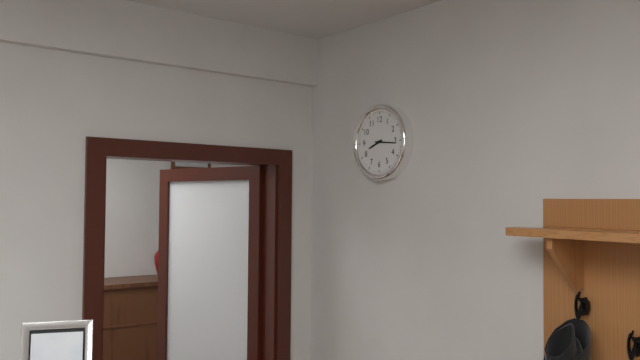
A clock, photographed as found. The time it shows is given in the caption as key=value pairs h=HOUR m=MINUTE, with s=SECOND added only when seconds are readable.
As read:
h=8 m=16
